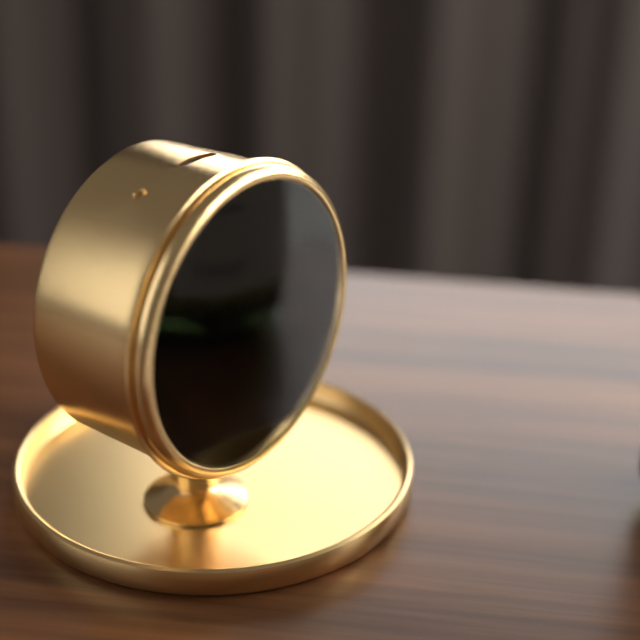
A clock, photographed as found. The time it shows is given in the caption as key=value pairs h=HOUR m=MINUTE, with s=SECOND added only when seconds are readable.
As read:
h=4 m=39 s=28
